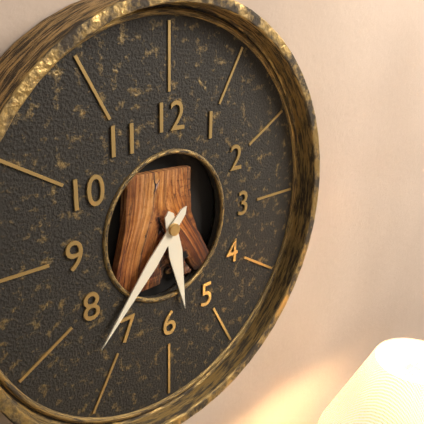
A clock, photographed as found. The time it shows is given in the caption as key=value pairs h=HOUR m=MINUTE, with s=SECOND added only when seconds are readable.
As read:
h=5 m=37
